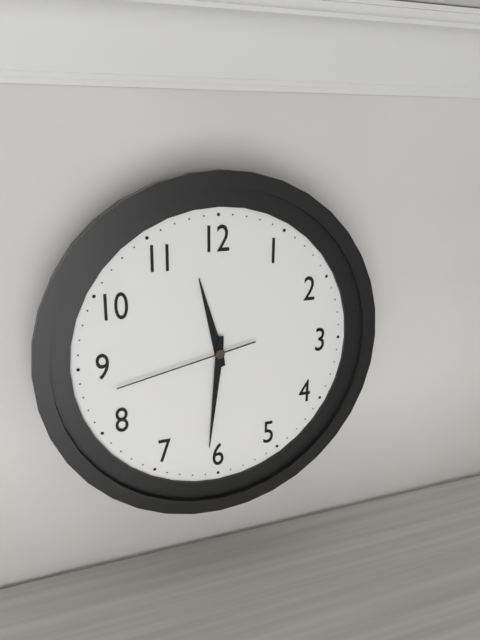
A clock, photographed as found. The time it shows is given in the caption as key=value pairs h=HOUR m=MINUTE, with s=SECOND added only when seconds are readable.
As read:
h=11 m=31 s=43
